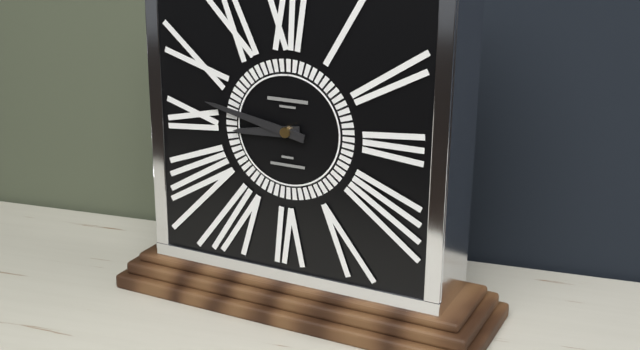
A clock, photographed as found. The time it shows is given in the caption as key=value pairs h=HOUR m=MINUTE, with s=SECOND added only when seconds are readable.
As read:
h=8 m=47
